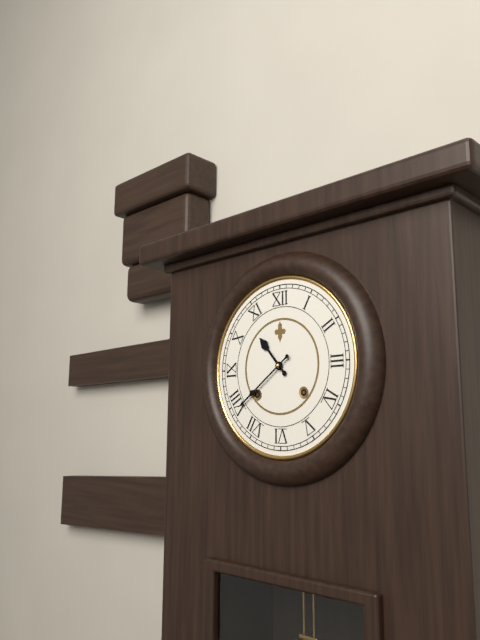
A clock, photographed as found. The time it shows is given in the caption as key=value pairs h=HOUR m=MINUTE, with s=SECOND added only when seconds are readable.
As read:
h=10 m=39
